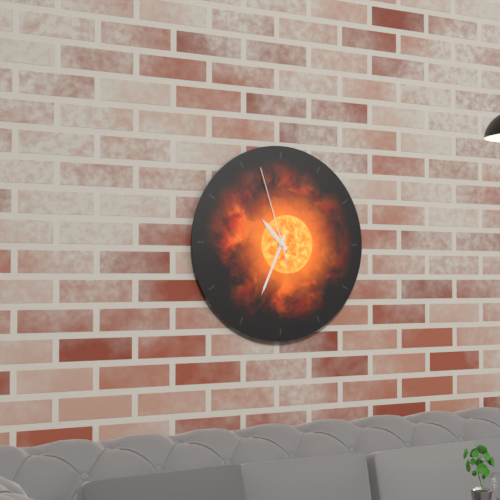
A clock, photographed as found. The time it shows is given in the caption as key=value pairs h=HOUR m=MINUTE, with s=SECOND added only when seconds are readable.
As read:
h=10 m=34 s=57
